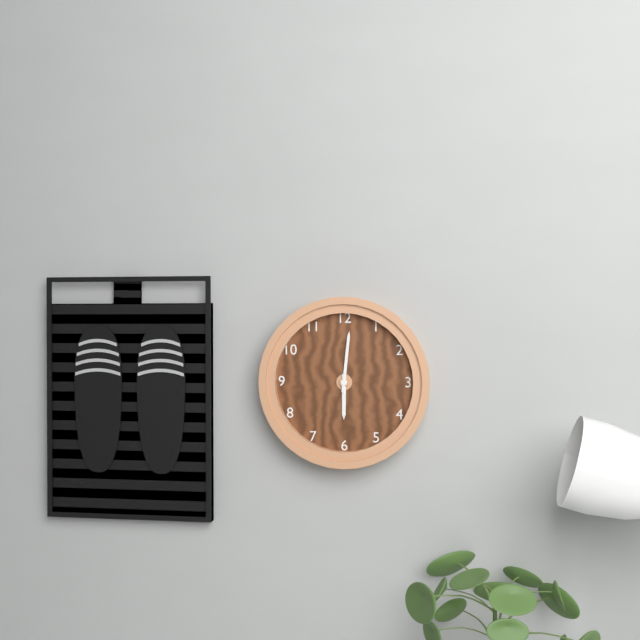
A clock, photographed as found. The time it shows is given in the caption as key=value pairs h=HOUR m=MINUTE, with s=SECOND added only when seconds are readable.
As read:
h=6 m=1
